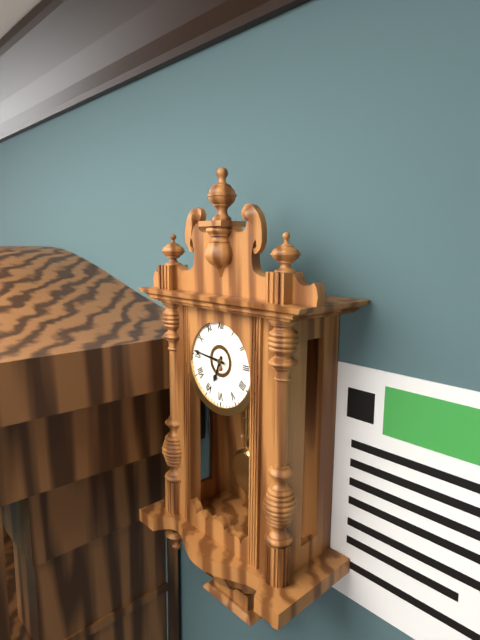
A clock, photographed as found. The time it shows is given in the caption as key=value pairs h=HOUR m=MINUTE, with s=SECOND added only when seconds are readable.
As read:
h=6 m=46
